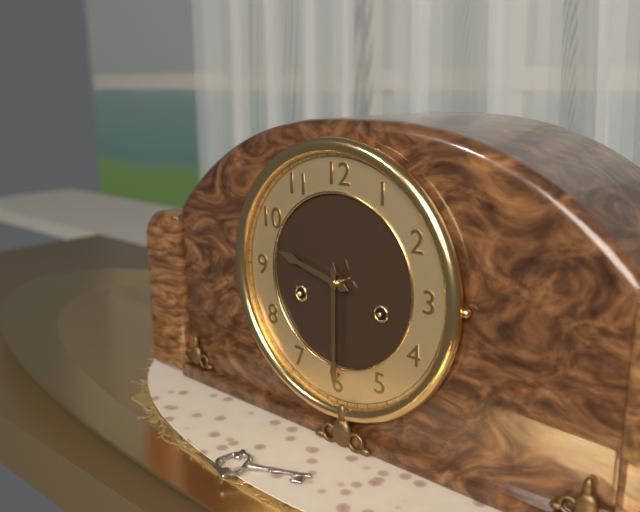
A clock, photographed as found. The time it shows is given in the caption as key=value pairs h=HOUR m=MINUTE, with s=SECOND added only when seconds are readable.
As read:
h=9 m=30
